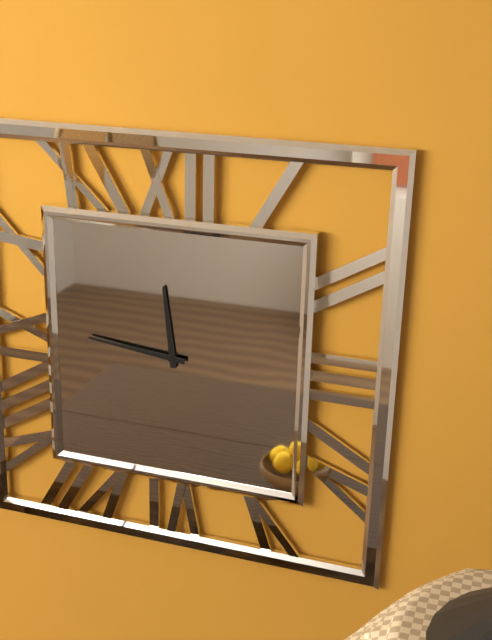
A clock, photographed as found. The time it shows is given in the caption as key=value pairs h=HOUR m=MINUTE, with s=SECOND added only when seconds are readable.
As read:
h=11 m=46
